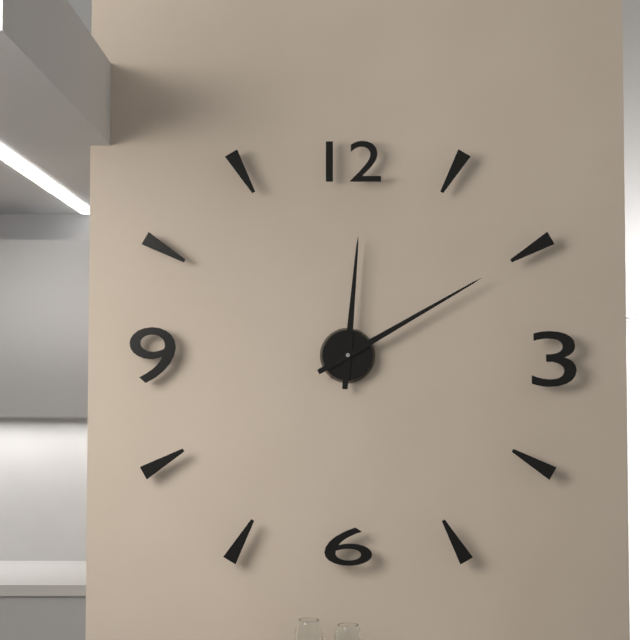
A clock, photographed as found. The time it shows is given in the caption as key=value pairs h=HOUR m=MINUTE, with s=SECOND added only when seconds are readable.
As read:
h=12 m=10
